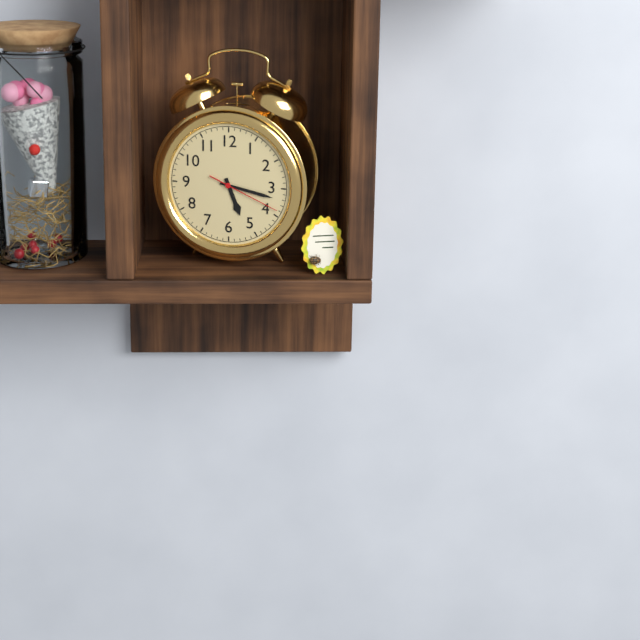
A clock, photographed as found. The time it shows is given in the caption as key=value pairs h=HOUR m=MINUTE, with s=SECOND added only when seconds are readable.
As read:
h=5 m=17 s=19
